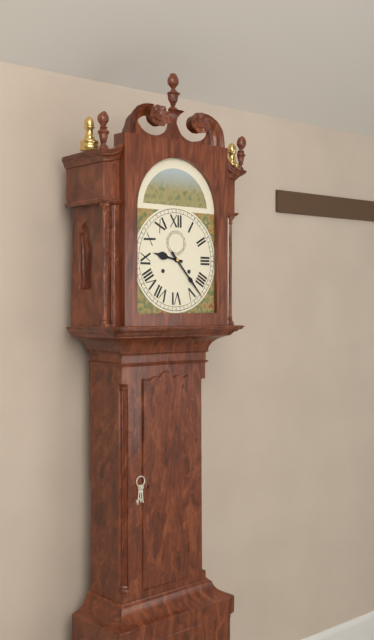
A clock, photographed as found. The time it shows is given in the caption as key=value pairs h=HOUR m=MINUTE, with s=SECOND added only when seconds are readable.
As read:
h=9 m=23
